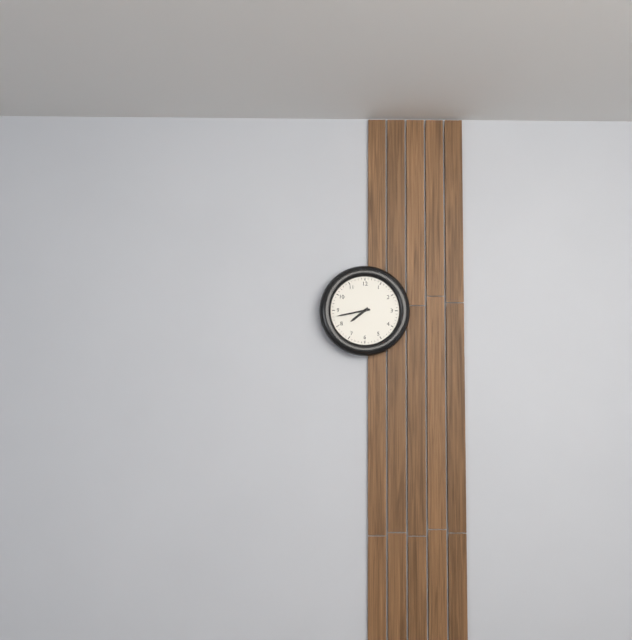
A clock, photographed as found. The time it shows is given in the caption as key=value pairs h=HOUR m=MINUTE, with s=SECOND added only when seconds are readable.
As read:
h=7 m=43
